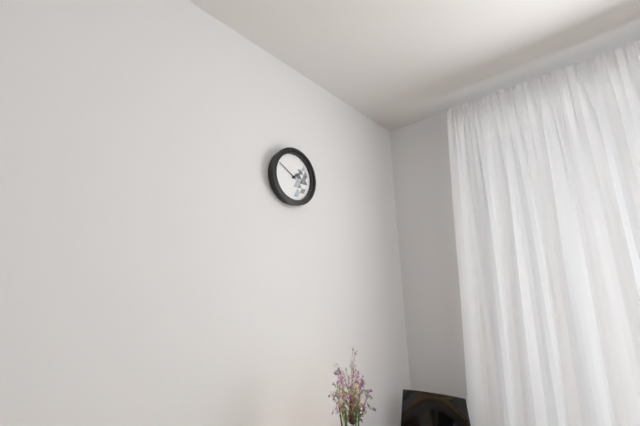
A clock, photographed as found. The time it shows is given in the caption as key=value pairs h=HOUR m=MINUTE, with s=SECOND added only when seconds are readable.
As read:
h=1 m=50
